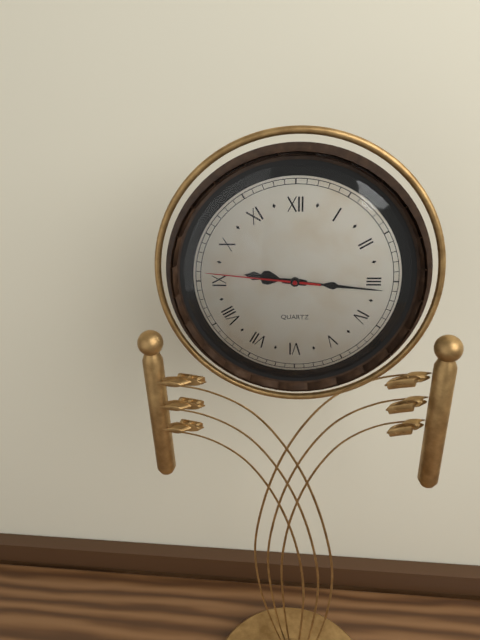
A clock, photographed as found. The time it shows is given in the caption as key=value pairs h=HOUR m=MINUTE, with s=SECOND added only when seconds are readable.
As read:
h=9 m=16 s=46
